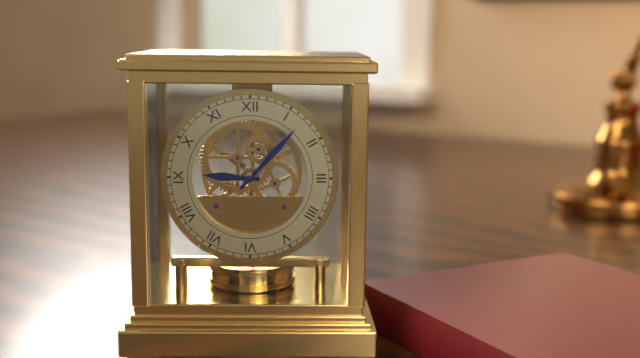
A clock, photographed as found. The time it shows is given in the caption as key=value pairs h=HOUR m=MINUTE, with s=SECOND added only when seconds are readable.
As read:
h=9 m=7
